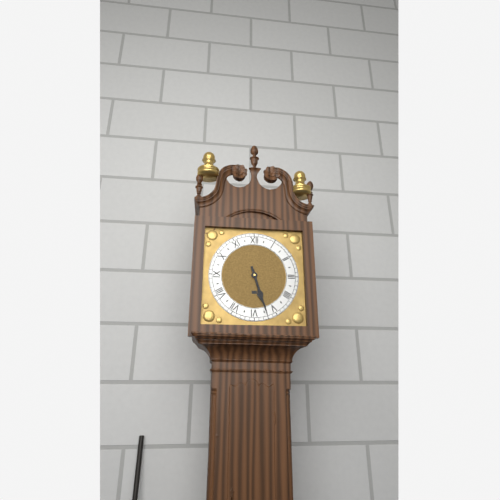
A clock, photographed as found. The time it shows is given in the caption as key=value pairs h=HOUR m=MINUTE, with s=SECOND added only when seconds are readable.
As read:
h=5 m=27
